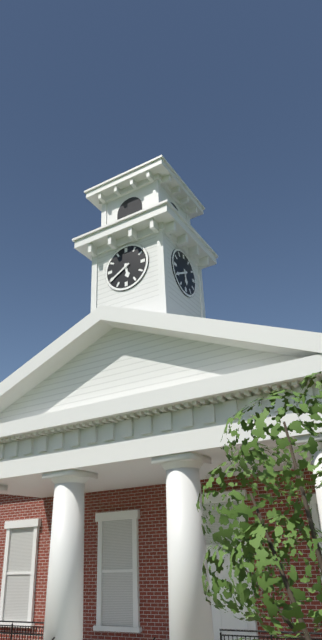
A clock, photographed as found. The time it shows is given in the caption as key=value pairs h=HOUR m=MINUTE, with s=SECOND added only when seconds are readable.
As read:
h=5 m=40
